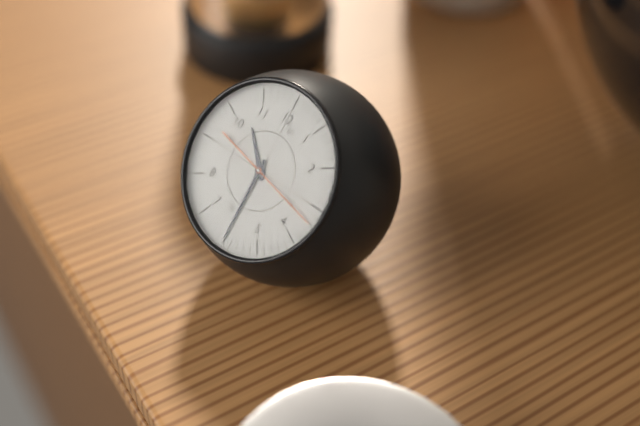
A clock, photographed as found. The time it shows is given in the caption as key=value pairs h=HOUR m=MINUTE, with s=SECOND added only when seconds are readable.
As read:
h=10 m=30 s=17
